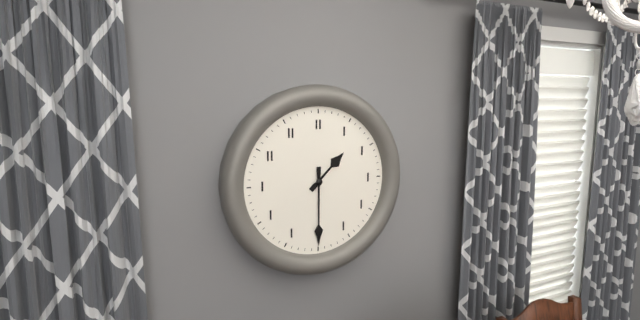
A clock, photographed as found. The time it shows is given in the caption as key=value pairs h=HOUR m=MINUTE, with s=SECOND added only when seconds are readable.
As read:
h=1 m=30
